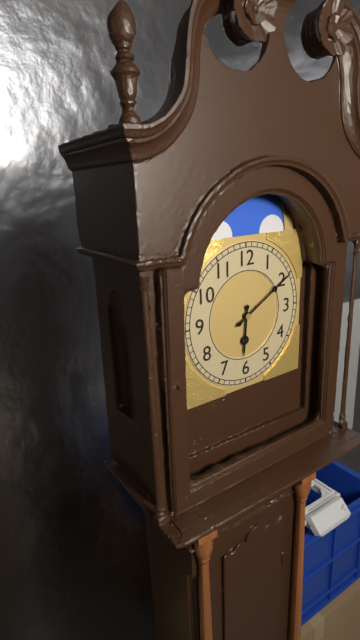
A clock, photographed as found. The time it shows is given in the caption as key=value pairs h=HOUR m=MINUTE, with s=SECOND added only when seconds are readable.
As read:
h=6 m=10
